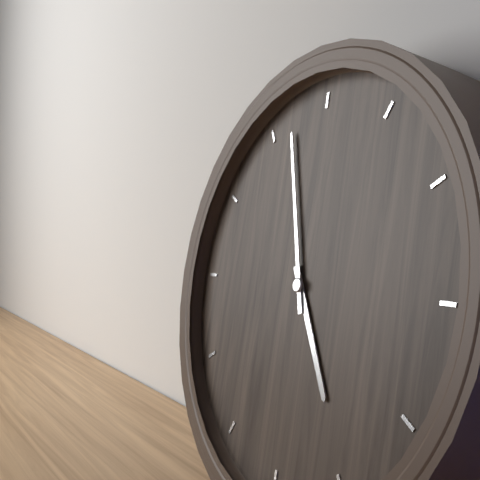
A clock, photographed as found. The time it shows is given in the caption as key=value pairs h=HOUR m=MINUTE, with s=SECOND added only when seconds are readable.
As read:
h=4 m=57
